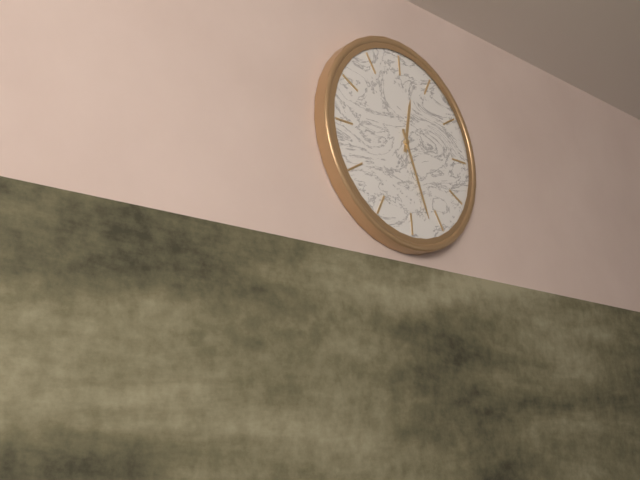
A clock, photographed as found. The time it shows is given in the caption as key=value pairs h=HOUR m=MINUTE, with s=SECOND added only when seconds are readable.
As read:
h=12 m=27
